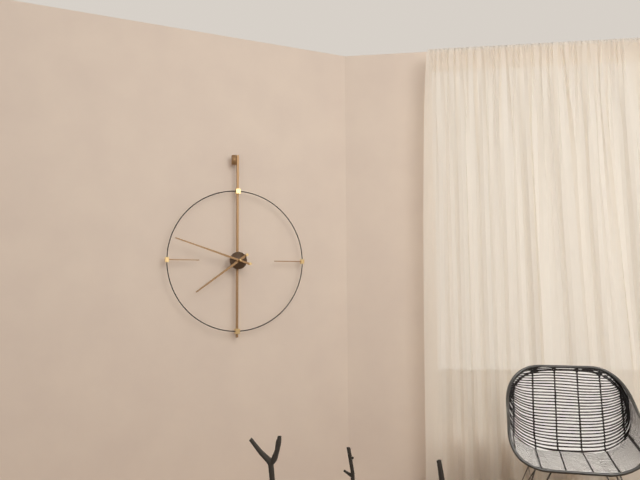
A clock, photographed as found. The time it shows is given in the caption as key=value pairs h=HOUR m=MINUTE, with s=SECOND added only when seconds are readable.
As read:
h=7 m=48
